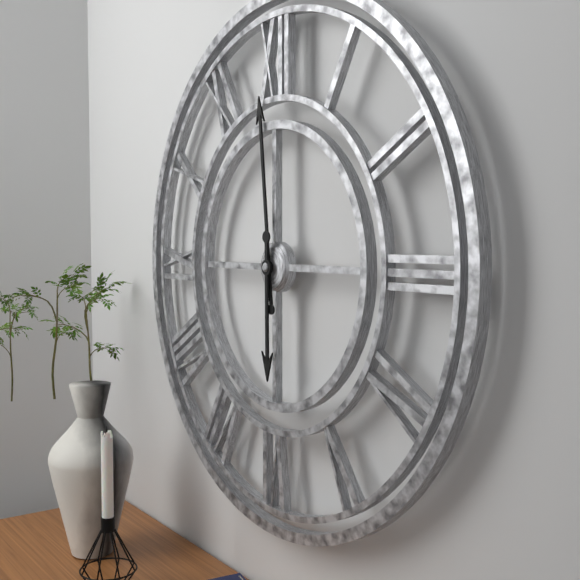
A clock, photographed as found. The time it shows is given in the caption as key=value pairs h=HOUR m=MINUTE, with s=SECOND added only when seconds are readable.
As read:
h=5 m=59
